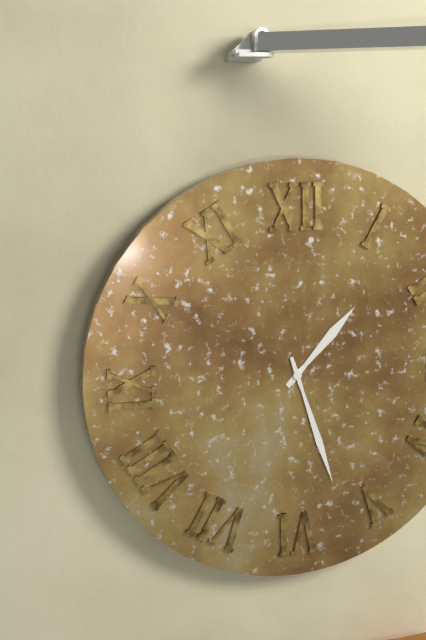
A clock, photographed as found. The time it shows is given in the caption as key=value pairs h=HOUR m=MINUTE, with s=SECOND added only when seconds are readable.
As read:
h=1 m=27
